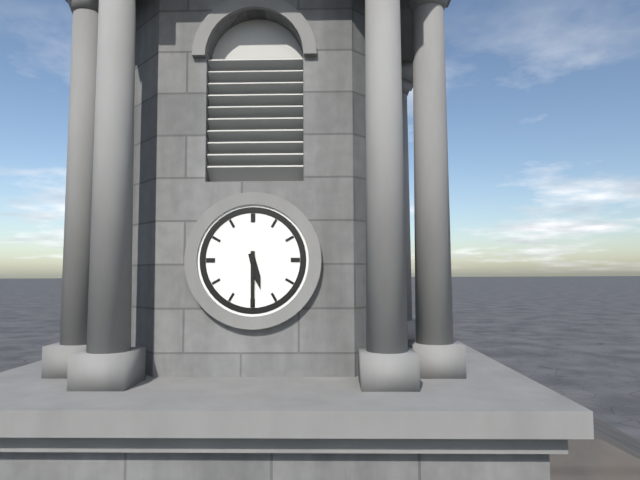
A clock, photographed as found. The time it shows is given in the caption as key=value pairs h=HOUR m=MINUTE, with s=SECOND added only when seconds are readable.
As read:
h=5 m=30
